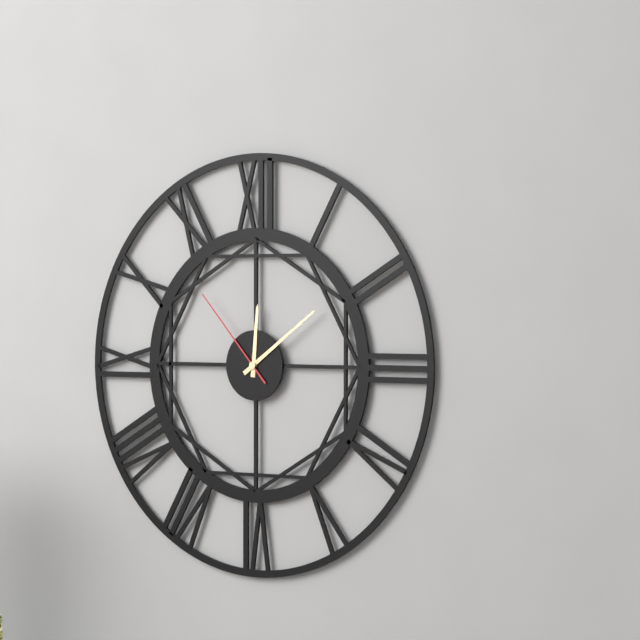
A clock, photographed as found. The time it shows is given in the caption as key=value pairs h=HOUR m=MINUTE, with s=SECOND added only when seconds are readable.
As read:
h=12 m=9 s=53
